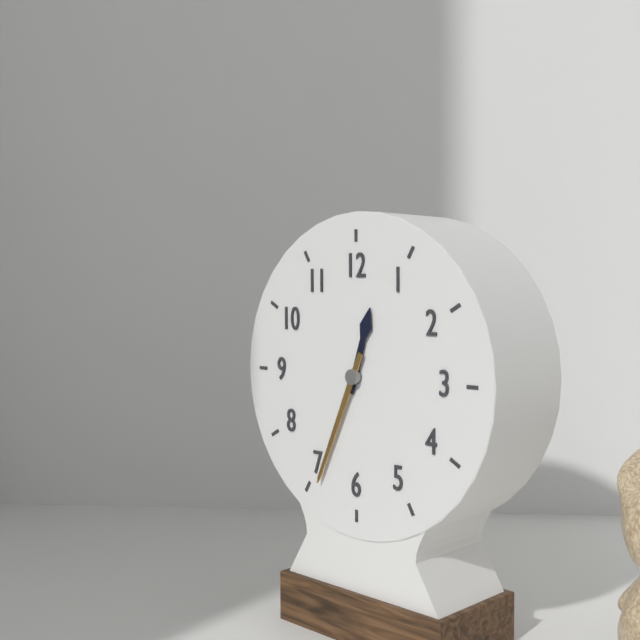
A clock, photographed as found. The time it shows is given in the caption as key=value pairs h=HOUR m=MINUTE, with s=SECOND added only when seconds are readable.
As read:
h=12 m=34
